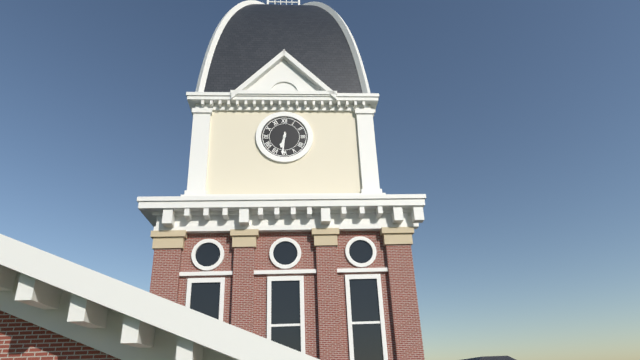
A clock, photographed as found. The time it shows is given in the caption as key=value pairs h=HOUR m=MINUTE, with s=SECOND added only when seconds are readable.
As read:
h=6 m=31
